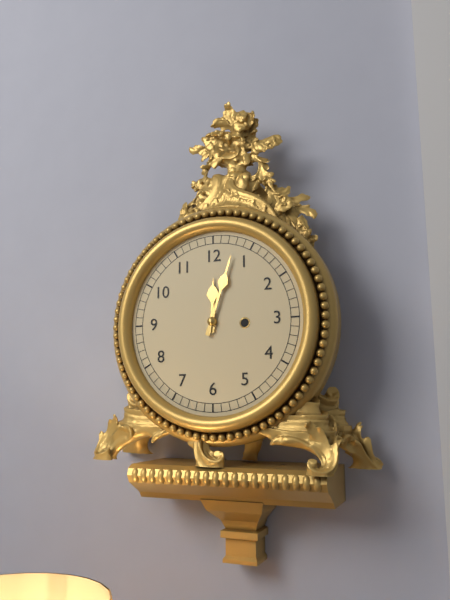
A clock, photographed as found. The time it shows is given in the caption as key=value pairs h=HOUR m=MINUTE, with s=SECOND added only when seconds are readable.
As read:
h=12 m=3
